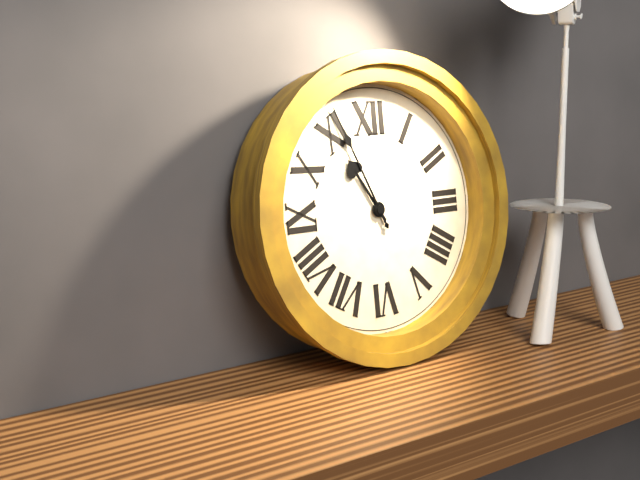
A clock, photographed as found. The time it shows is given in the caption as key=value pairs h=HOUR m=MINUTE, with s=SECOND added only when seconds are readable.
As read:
h=10 m=56
